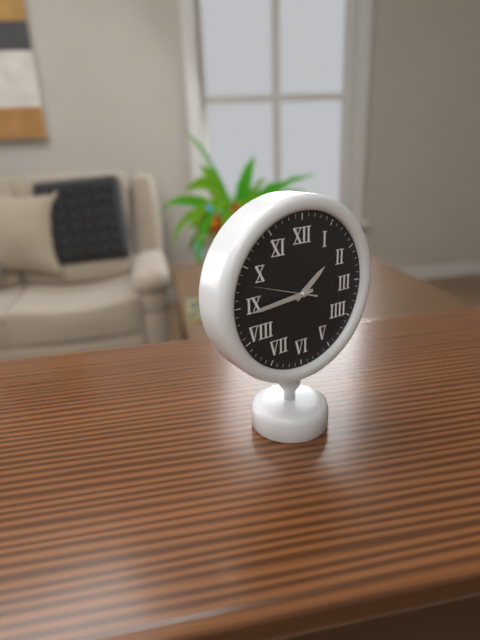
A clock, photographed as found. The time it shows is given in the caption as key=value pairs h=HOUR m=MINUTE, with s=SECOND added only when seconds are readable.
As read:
h=1 m=44 s=48
